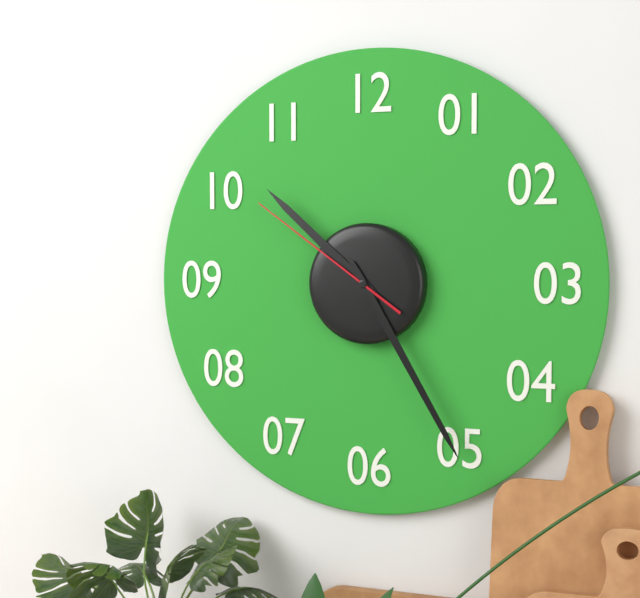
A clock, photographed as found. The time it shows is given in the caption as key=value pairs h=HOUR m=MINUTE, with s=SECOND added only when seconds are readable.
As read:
h=10 m=25 s=51
